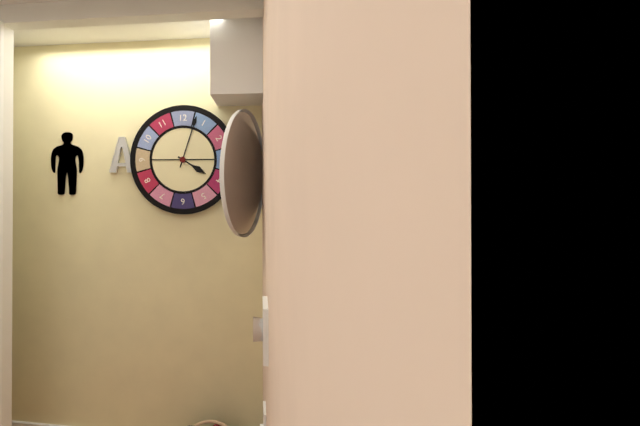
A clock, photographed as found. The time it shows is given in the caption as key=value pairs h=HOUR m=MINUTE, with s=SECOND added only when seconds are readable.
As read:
h=4 m=3
